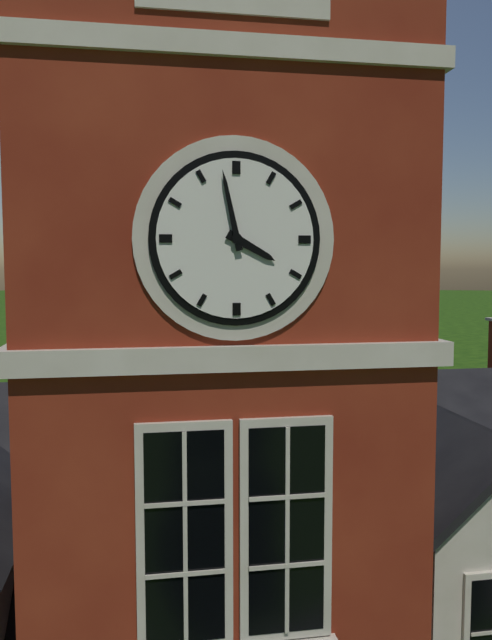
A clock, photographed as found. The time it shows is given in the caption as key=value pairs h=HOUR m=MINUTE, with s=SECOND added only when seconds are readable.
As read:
h=3 m=58
